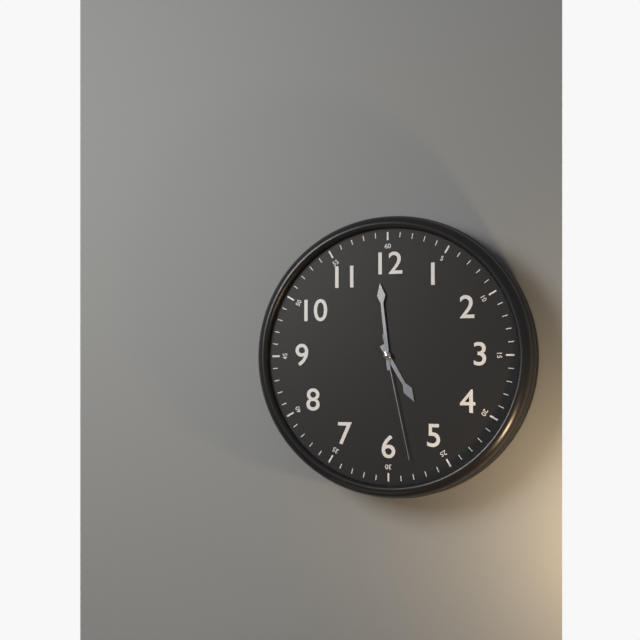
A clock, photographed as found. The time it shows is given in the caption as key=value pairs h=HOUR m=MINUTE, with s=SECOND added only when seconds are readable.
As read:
h=4 m=59 s=28
